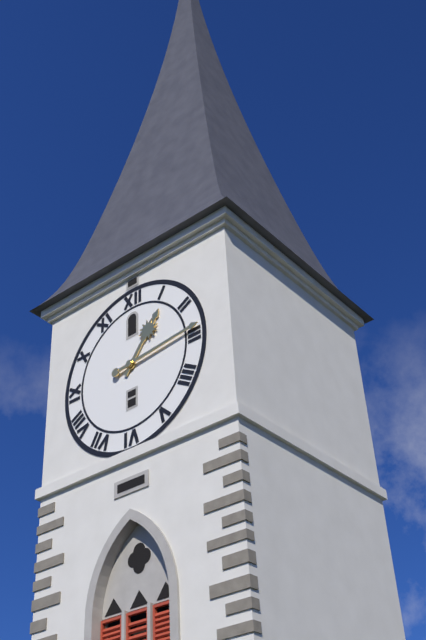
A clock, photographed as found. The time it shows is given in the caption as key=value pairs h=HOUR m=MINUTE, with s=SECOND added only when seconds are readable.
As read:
h=1 m=14
